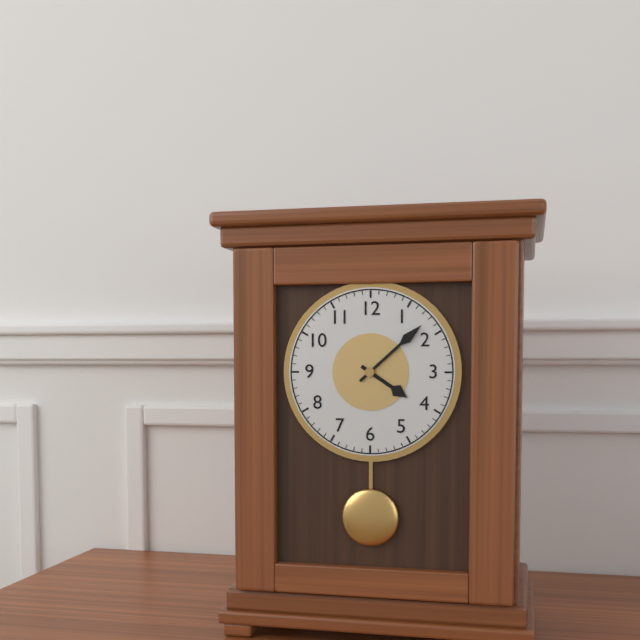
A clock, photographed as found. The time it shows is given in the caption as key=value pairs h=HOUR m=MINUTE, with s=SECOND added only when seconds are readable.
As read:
h=4 m=8
